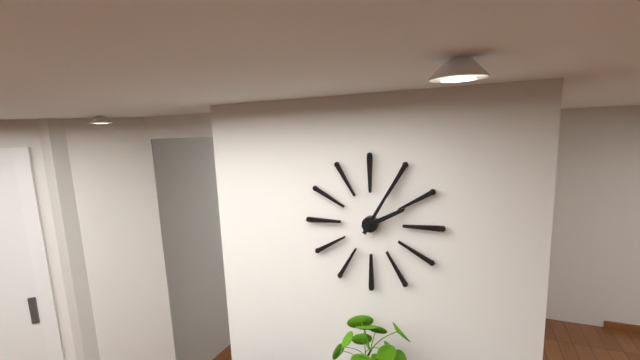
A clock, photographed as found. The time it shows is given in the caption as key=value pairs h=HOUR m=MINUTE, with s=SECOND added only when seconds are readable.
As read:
h=2 m=5
